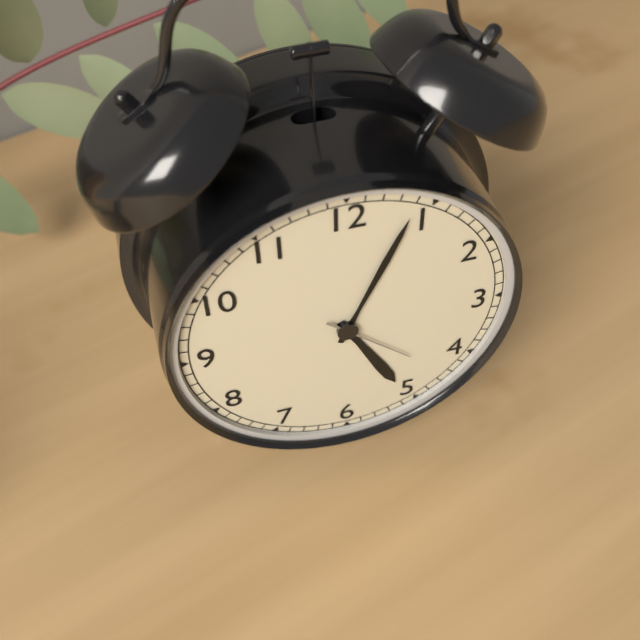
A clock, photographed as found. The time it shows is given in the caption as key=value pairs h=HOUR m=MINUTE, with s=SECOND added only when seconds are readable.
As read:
h=5 m=4 s=22
